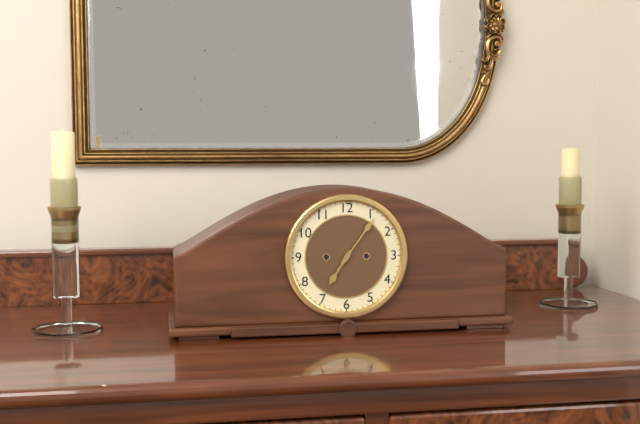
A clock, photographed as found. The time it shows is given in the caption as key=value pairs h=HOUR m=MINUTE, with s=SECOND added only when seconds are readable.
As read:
h=7 m=6
